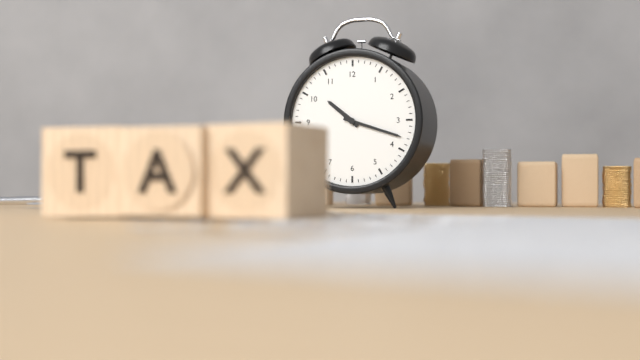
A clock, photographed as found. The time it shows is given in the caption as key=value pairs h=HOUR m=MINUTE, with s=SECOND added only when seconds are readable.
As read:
h=10 m=18
